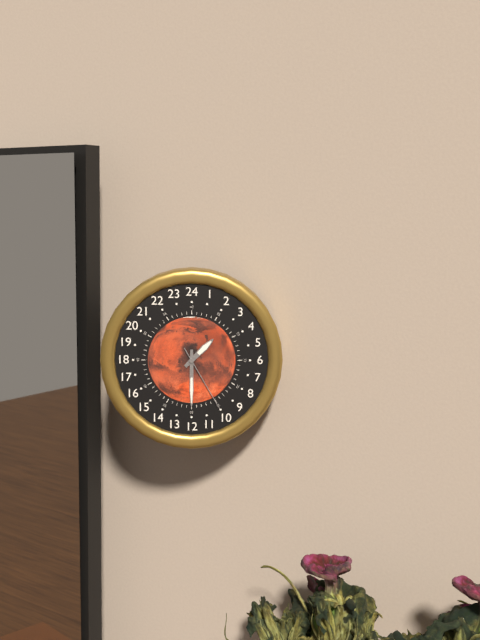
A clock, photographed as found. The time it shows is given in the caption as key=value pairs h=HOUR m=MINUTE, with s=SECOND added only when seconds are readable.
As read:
h=1 m=30 s=25
